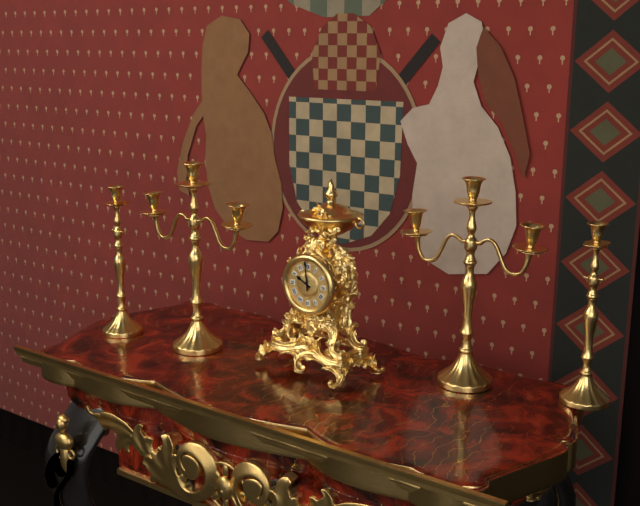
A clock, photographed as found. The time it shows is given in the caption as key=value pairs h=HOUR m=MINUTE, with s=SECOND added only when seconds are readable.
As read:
h=9 m=59
